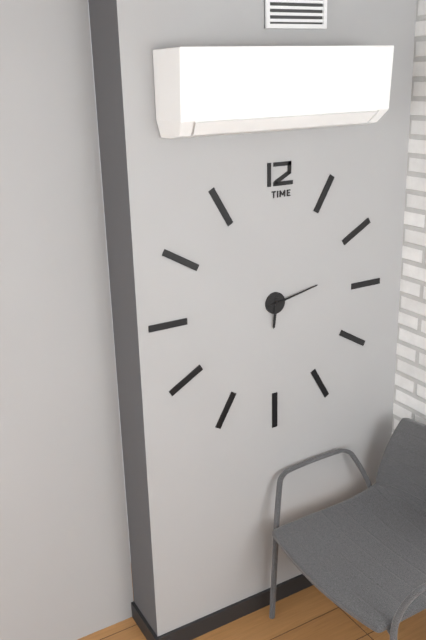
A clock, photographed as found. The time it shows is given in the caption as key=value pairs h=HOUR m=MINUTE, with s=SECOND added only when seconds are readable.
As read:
h=6 m=13
